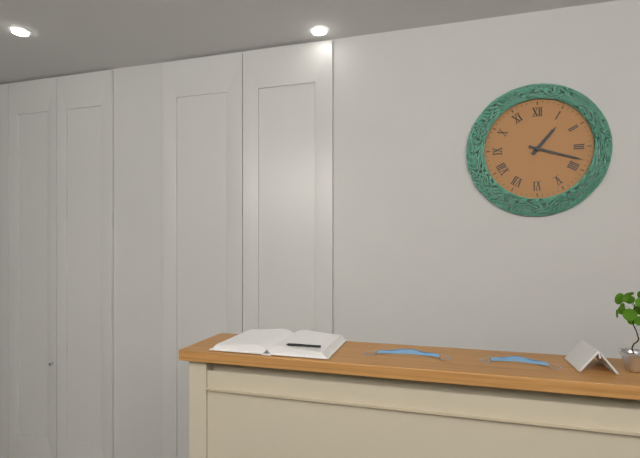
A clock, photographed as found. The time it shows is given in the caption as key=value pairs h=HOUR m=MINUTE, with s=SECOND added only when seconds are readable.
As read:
h=1 m=18
